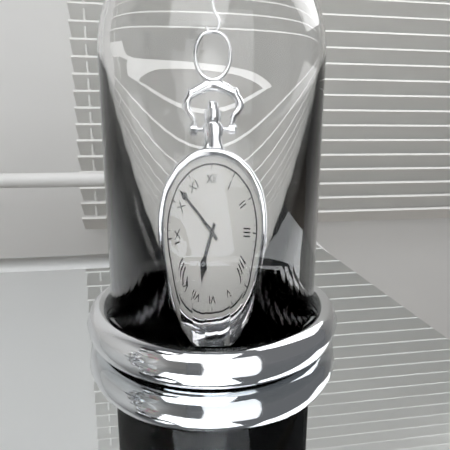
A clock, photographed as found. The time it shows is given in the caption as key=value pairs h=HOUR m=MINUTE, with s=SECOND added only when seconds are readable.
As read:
h=6 m=52
